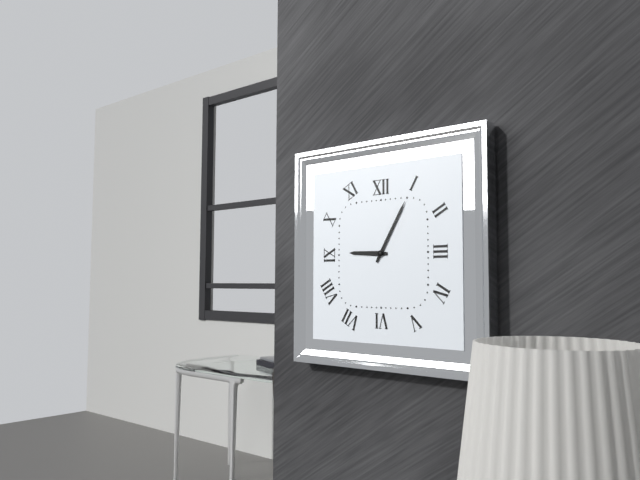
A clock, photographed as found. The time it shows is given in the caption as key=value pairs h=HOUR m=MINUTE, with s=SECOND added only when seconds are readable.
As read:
h=9 m=5
